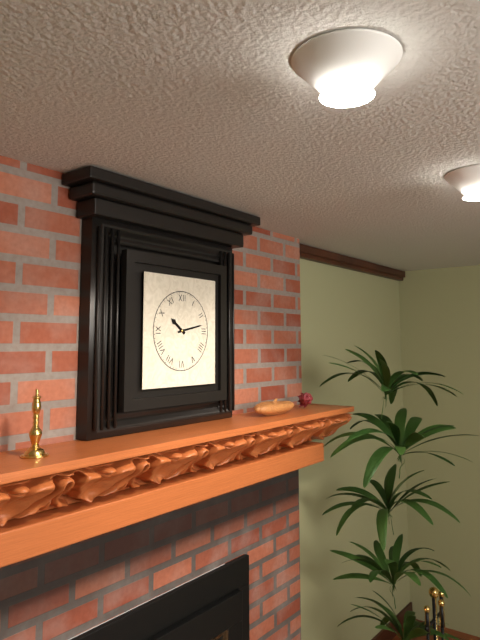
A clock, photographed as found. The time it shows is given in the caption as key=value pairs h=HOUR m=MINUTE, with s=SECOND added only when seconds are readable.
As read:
h=10 m=13
